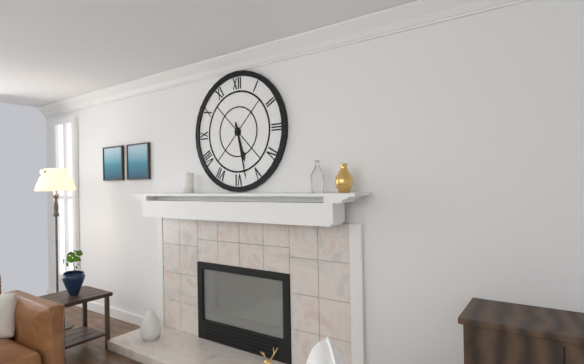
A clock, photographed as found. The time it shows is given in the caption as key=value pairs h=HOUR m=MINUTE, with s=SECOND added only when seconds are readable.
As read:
h=5 m=28
